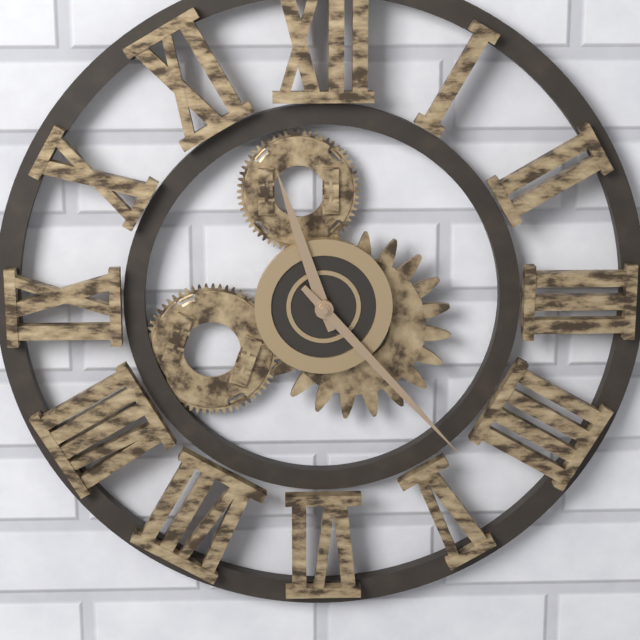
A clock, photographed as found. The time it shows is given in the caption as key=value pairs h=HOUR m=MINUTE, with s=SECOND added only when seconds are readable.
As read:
h=11 m=23
